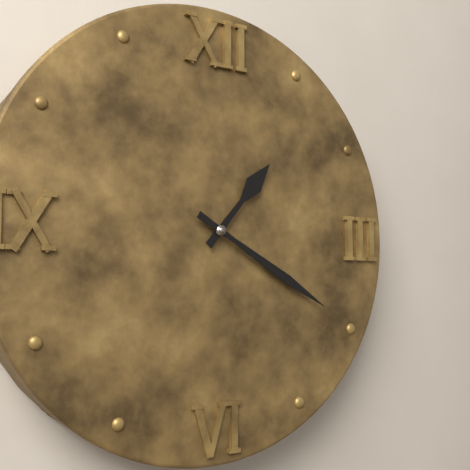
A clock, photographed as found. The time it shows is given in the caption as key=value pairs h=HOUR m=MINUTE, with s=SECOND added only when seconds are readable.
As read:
h=1 m=20
